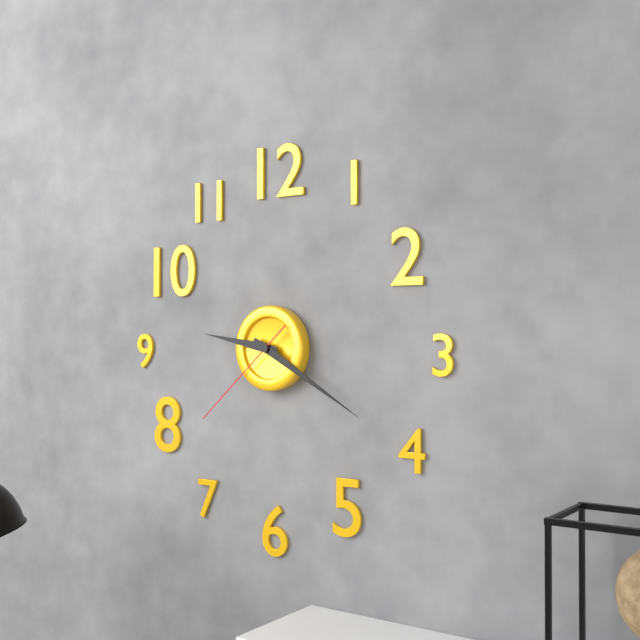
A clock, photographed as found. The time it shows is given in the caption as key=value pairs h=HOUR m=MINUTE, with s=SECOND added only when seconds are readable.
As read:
h=9 m=20 s=38
